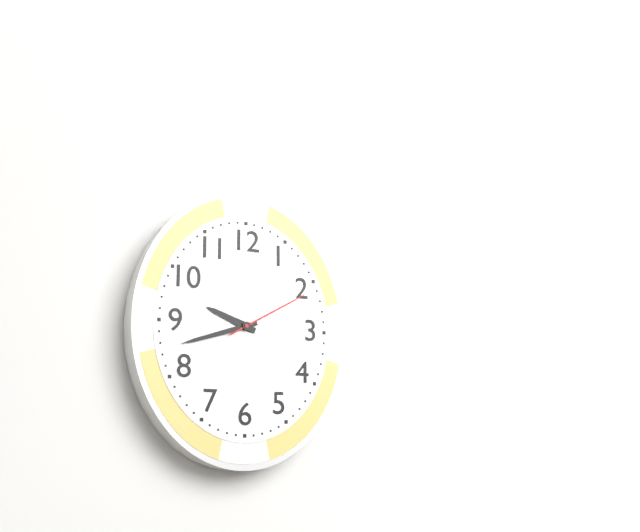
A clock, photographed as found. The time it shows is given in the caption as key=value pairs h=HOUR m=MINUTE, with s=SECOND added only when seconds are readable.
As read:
h=9 m=42 s=10
